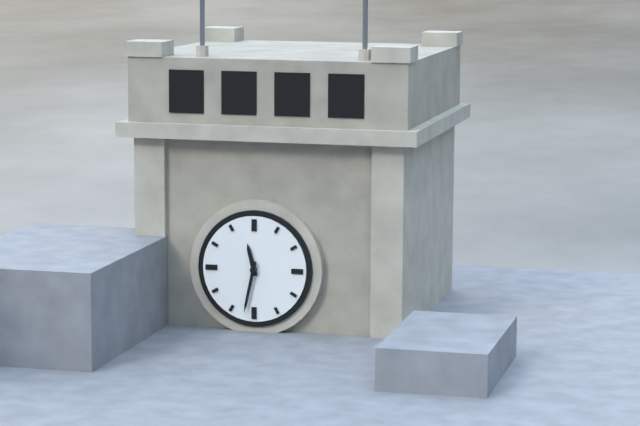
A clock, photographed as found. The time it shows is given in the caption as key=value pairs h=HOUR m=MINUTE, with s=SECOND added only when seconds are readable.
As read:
h=11 m=32
